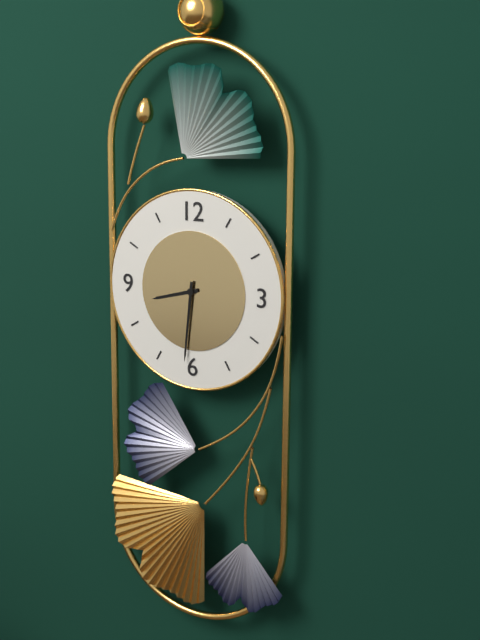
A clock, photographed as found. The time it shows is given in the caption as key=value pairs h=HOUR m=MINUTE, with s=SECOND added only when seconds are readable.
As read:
h=8 m=31
